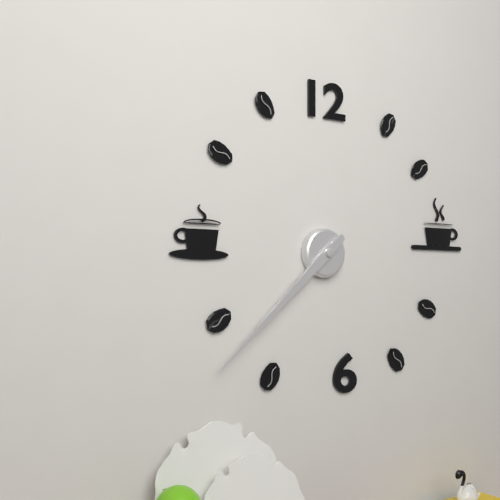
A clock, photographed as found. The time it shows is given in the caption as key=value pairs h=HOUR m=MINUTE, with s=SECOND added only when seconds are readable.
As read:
h=7 m=38
